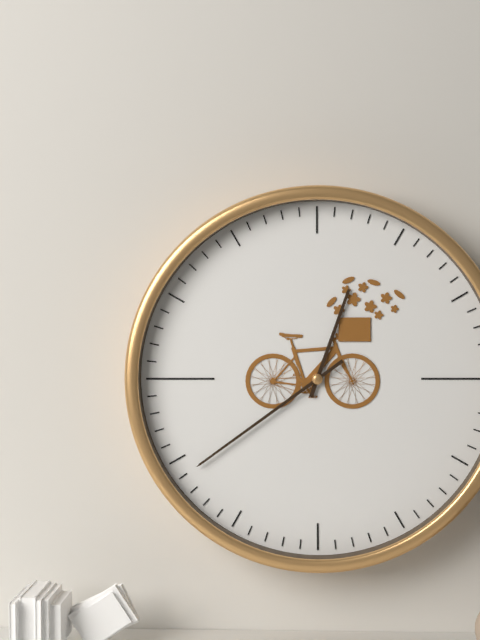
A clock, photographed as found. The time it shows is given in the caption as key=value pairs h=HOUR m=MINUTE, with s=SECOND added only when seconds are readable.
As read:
h=12 m=39
